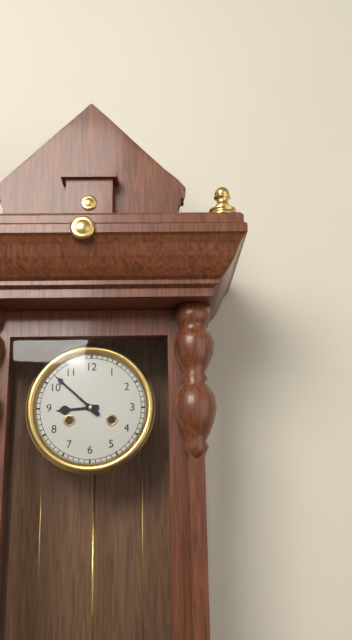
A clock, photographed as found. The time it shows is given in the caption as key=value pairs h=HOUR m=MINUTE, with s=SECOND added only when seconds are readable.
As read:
h=8 m=52
